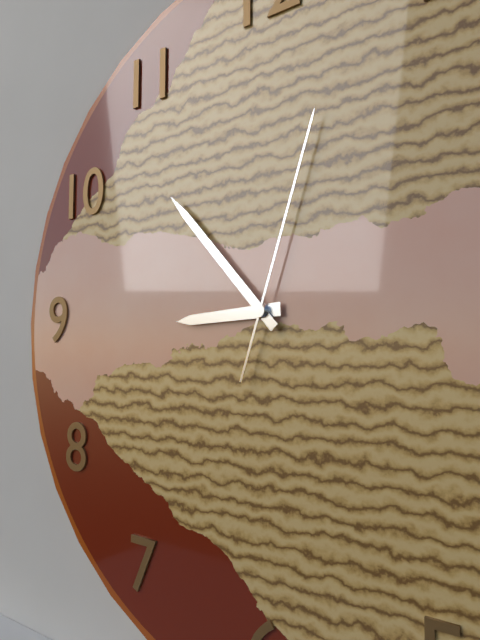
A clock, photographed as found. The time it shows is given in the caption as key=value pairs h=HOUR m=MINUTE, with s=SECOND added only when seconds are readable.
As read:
h=8 m=53 s=3
